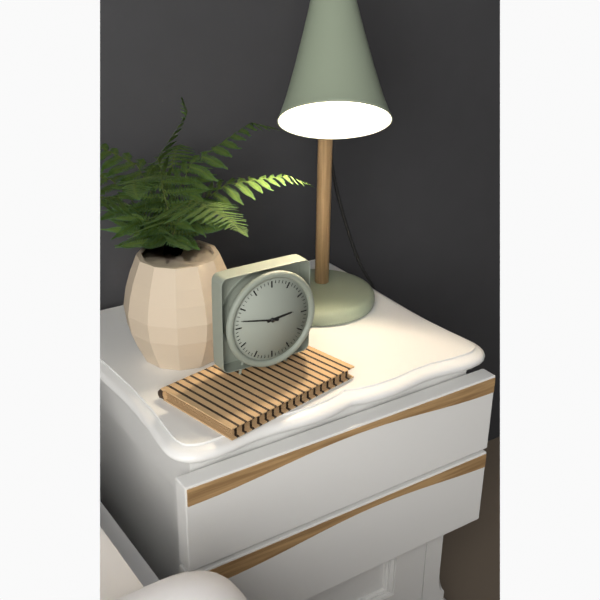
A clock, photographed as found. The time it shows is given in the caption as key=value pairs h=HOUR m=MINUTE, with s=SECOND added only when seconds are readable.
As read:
h=2 m=47
